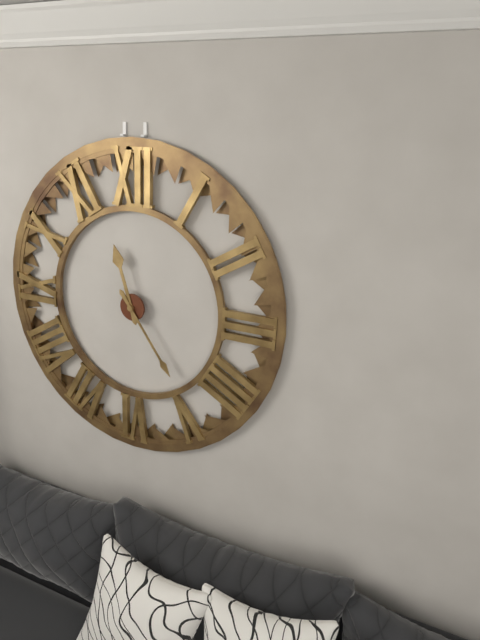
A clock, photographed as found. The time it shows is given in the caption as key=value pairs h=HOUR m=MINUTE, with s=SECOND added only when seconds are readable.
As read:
h=11 m=24
